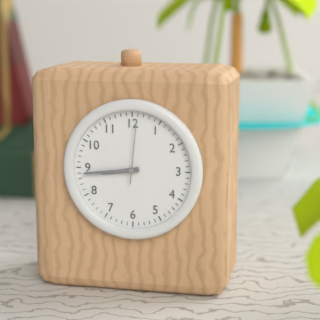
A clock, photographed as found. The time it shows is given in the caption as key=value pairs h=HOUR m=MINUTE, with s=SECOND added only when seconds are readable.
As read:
h=8 m=44 s=1
